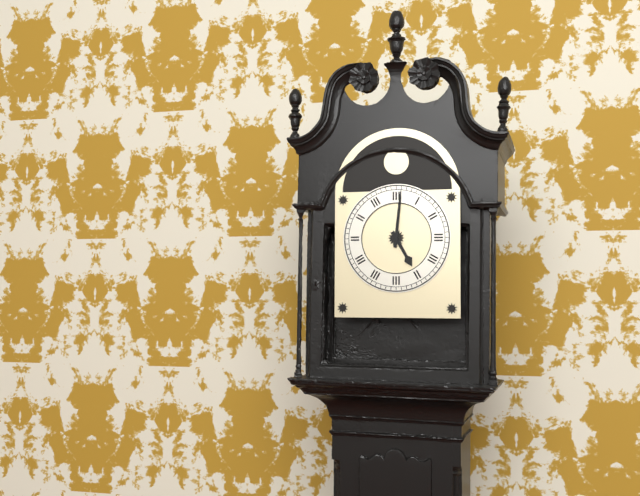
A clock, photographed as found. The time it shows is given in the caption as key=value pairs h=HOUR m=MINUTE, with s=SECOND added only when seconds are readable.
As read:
h=5 m=1
